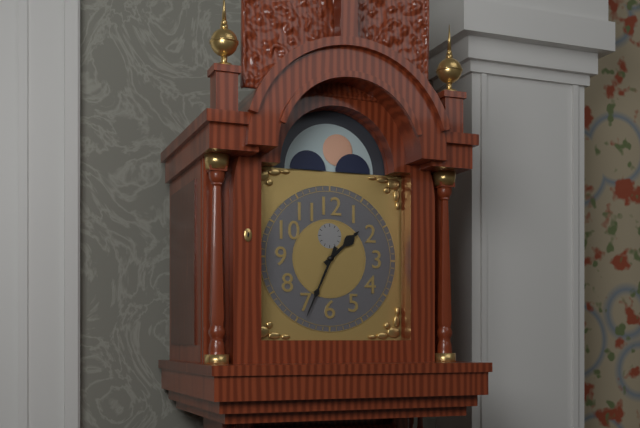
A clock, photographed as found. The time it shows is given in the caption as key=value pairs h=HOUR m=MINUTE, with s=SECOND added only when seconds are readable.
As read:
h=1 m=34
